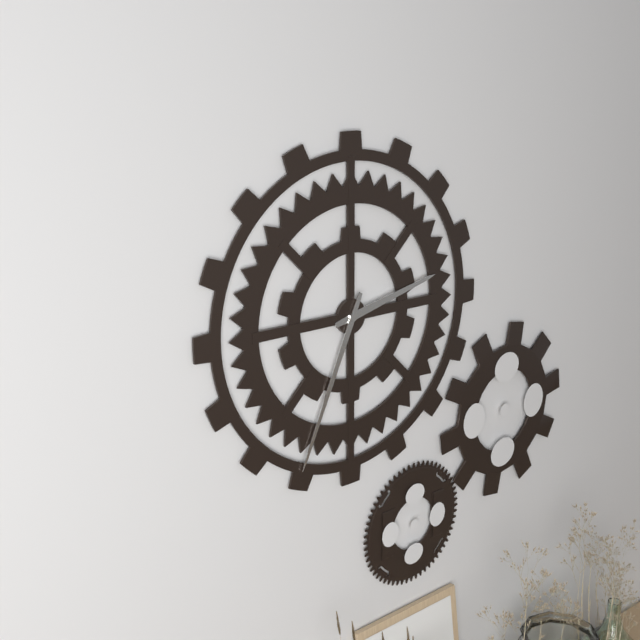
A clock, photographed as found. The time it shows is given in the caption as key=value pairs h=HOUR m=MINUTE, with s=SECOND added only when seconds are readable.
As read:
h=2 m=34
